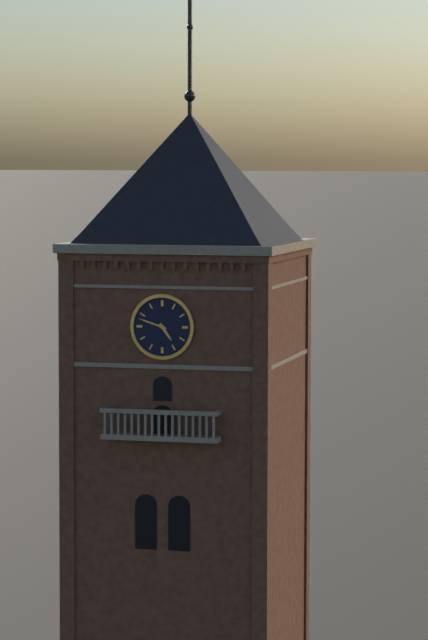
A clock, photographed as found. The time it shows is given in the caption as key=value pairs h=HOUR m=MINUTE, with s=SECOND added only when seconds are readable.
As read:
h=4 m=48
